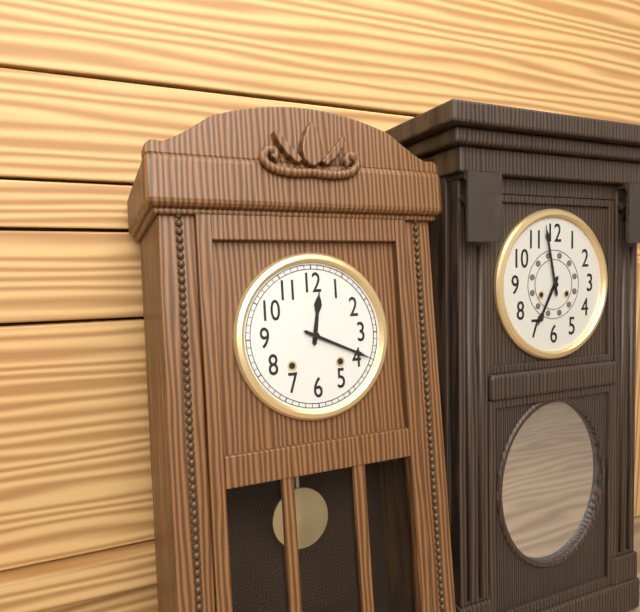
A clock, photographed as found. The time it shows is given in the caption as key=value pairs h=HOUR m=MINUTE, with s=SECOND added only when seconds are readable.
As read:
h=12 m=19
